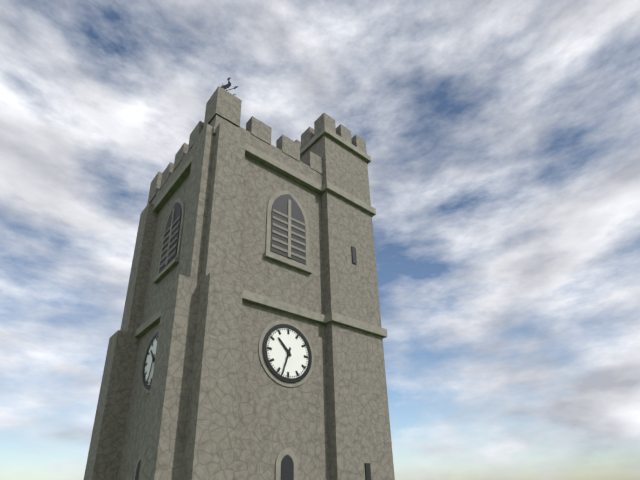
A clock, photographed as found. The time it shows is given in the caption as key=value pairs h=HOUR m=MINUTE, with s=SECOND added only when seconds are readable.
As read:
h=10 m=33
